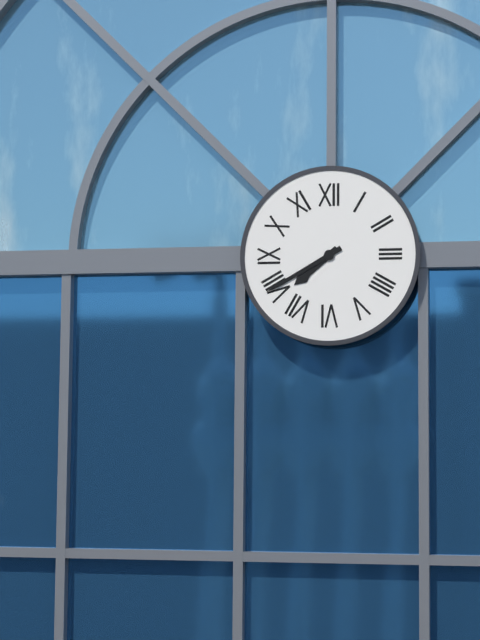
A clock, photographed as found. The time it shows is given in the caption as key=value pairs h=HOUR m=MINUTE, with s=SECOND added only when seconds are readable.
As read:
h=7 m=40
